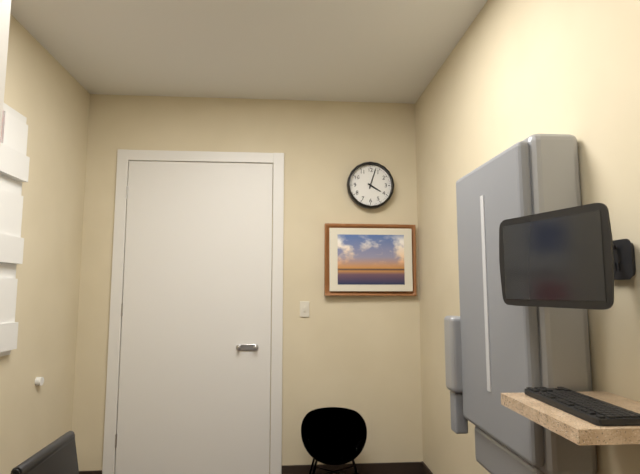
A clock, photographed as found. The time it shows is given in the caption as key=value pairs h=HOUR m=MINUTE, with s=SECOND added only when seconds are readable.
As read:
h=4 m=3
